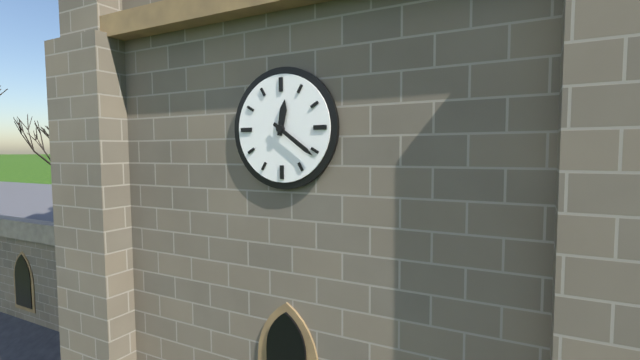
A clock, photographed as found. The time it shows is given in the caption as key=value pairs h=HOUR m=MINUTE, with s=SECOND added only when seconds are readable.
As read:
h=12 m=21
